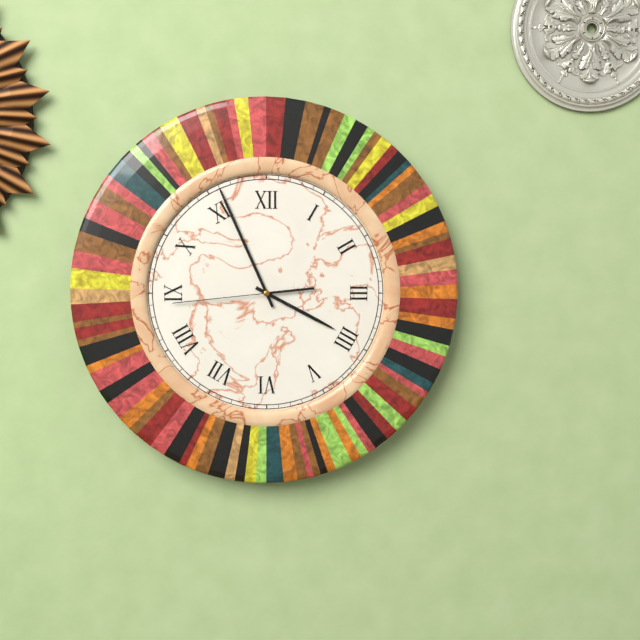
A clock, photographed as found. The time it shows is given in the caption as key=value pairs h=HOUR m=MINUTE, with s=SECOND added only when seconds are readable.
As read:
h=3 m=56 s=44
